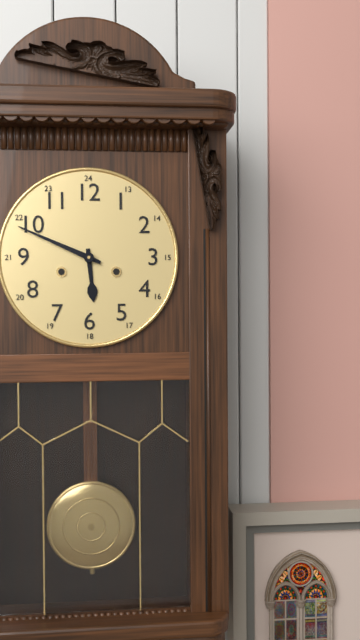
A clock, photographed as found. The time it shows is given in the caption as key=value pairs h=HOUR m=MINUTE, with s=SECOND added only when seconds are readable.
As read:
h=5 m=49
